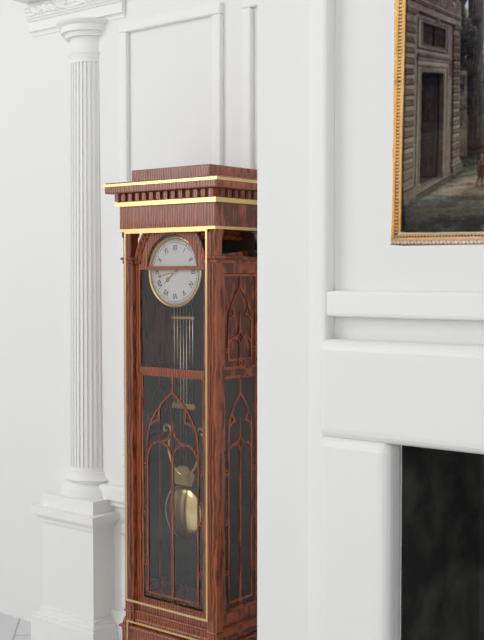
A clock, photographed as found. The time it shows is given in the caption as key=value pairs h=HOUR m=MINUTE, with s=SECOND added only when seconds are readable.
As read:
h=7 m=43
